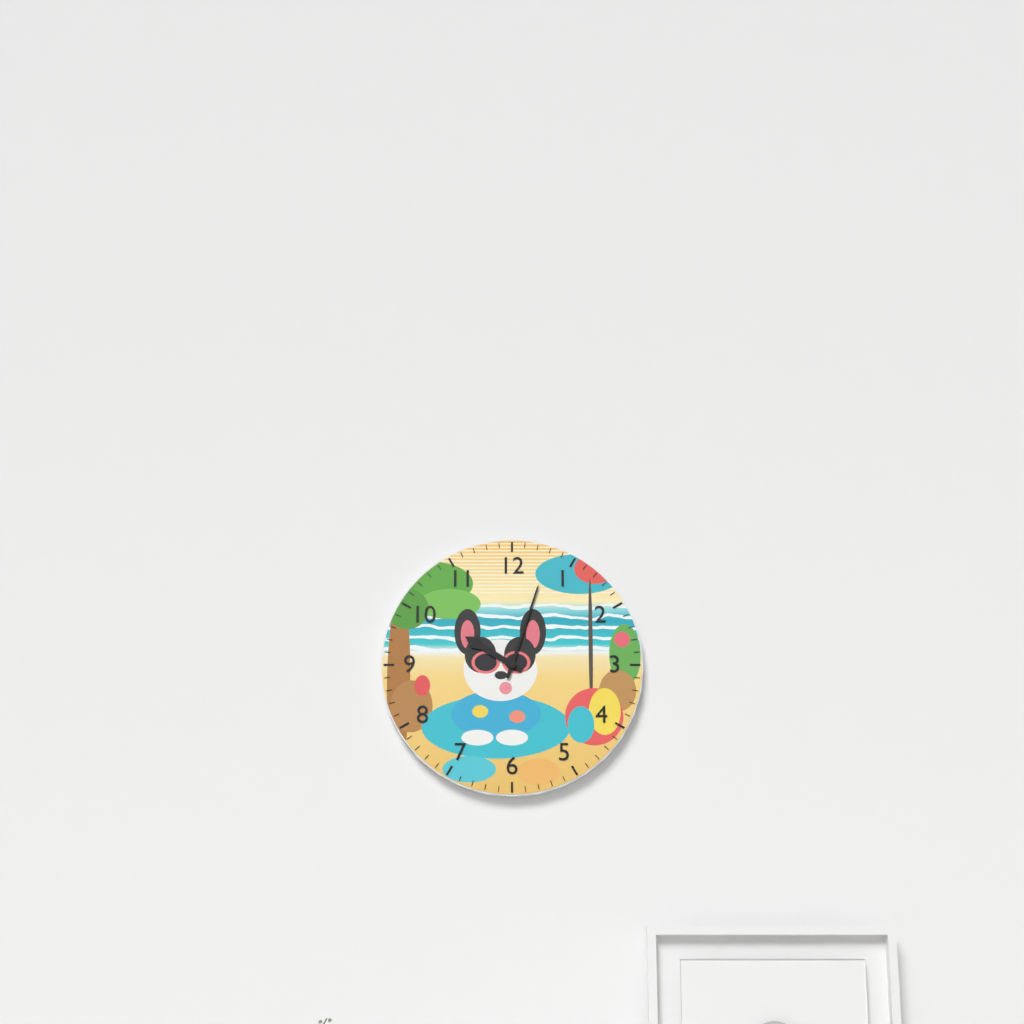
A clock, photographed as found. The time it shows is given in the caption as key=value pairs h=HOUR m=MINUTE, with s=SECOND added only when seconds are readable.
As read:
h=10 m=3
